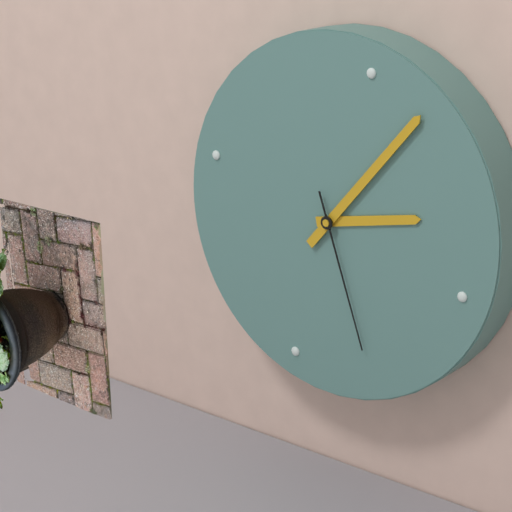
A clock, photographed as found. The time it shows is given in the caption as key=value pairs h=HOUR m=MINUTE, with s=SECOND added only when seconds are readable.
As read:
h=2 m=4 s=24
